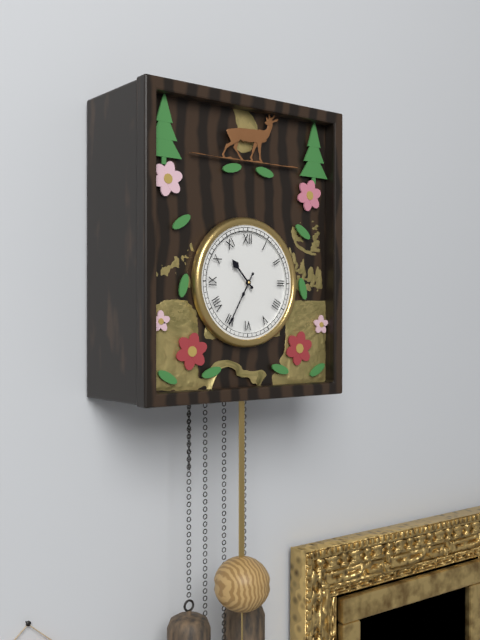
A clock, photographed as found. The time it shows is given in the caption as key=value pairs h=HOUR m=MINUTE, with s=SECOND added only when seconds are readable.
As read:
h=10 m=35
